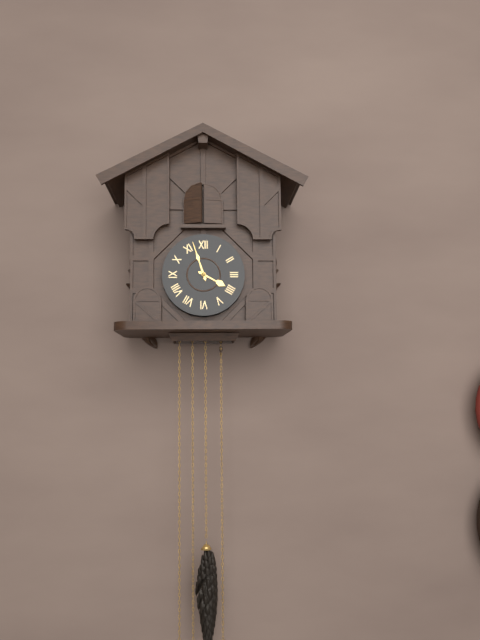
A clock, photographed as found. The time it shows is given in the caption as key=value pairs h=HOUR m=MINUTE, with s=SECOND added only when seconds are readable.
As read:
h=3 m=57
